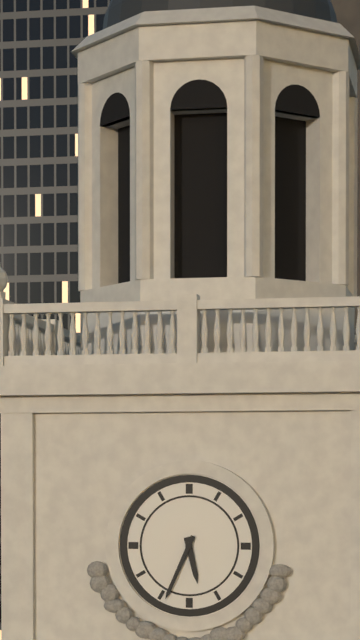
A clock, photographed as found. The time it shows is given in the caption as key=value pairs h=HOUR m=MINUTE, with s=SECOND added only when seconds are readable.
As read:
h=5 m=34
